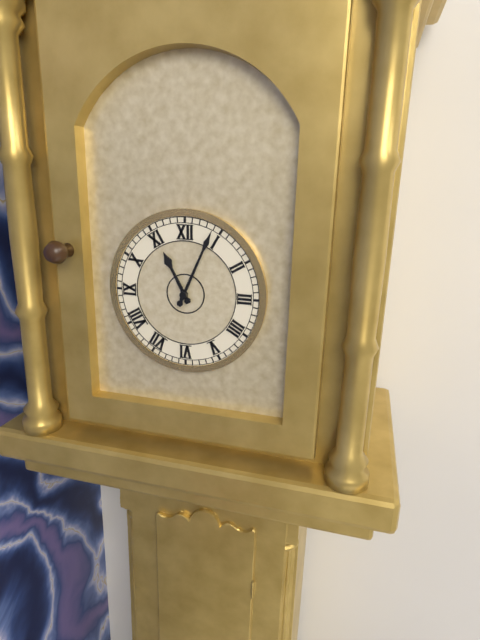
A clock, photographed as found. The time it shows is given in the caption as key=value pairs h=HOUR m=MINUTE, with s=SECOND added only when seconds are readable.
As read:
h=11 m=4
